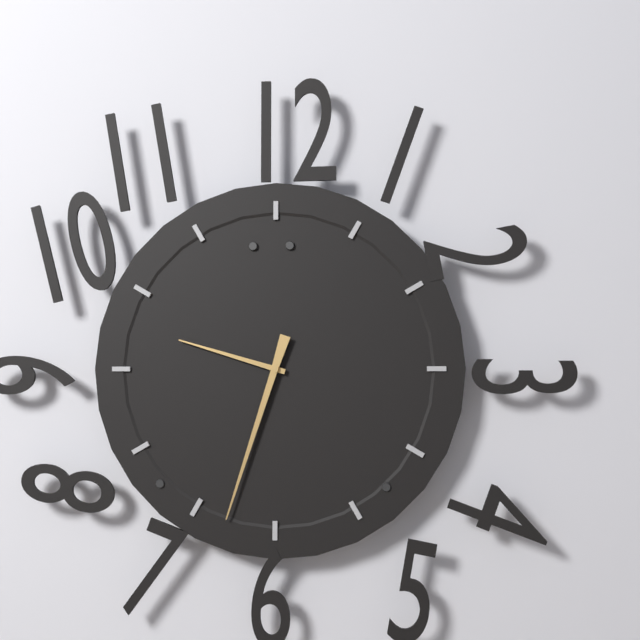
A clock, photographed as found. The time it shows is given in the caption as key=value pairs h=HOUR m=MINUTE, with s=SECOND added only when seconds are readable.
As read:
h=9 m=33
